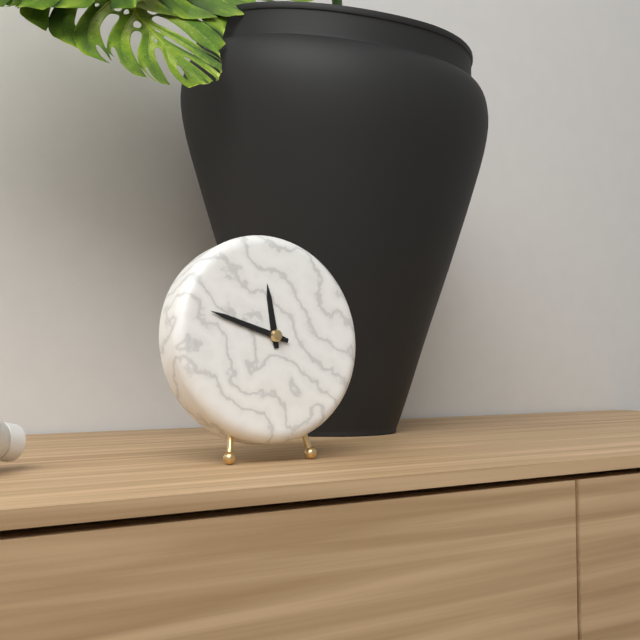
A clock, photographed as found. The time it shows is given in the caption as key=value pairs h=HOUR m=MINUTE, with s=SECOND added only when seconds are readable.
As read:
h=11 m=48
